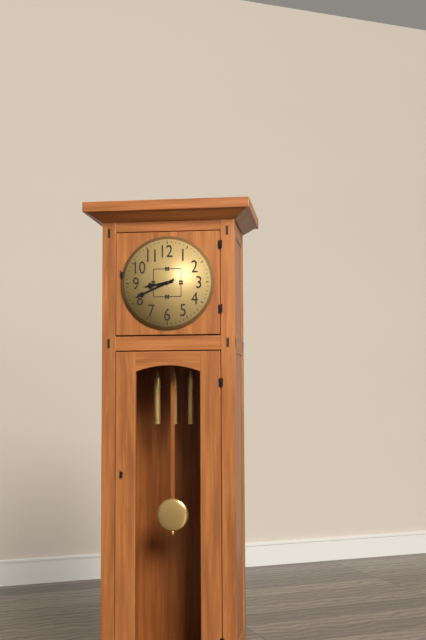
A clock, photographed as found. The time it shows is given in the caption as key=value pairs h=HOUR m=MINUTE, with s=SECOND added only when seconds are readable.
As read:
h=8 m=41
